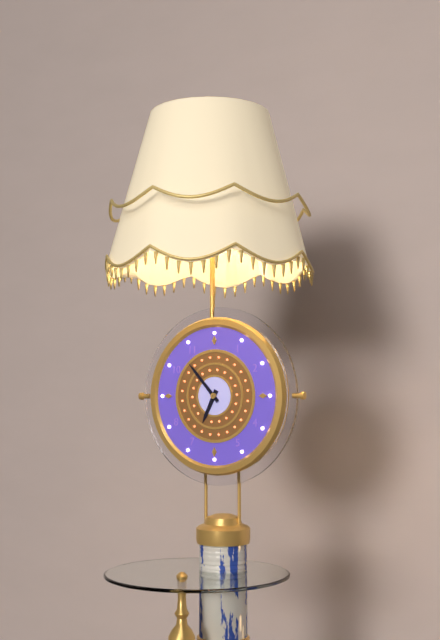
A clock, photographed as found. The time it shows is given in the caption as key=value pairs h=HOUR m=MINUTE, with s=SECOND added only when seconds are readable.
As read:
h=6 m=53
